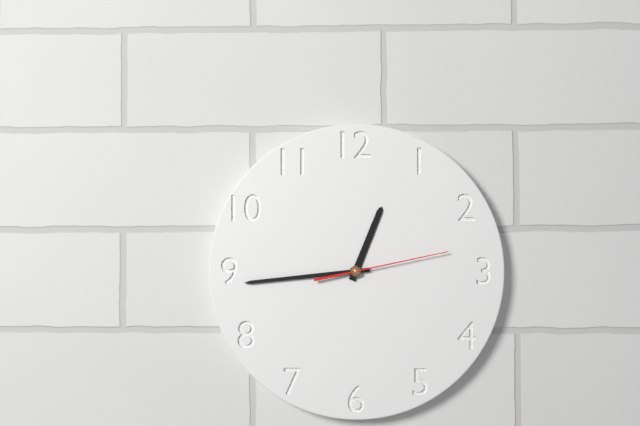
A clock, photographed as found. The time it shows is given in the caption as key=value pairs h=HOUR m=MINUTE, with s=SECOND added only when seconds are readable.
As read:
h=12 m=44 s=13
